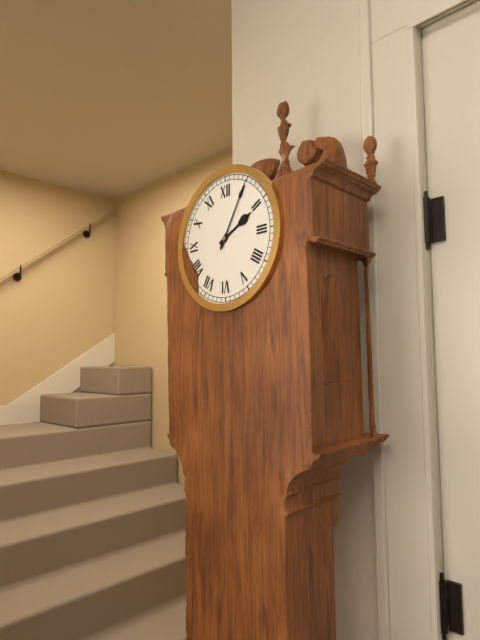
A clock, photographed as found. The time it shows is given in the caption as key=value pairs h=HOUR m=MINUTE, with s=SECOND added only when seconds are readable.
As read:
h=2 m=5
